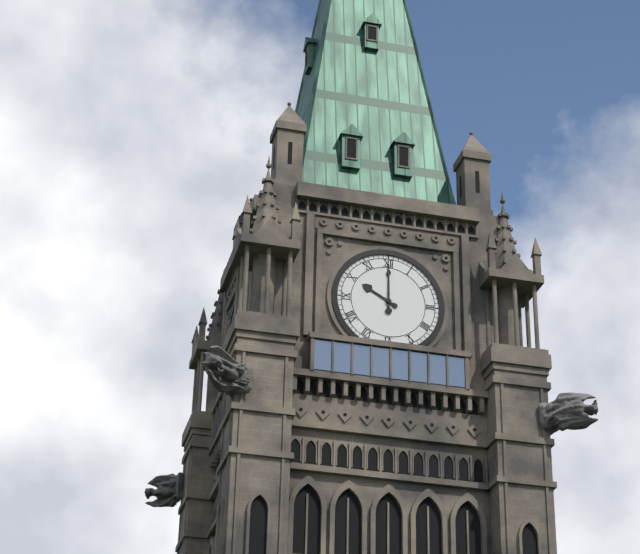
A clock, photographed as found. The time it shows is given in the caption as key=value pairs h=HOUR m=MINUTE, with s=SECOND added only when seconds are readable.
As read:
h=10 m=0
